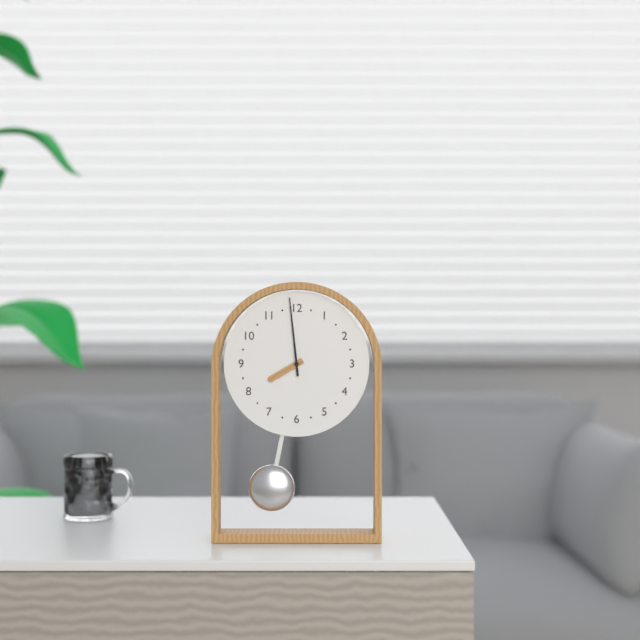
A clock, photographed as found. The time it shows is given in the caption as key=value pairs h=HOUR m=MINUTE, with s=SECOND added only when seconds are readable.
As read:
h=7 m=59
